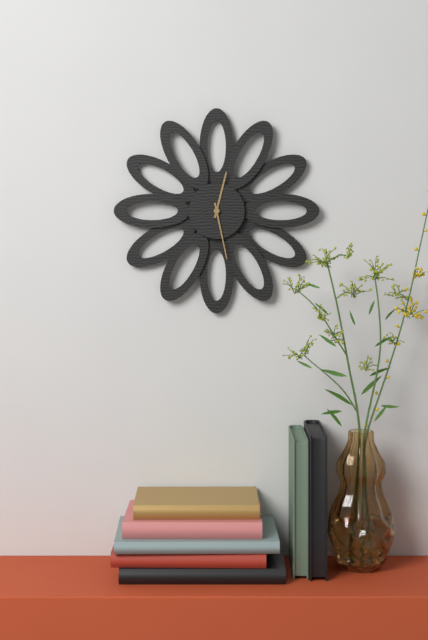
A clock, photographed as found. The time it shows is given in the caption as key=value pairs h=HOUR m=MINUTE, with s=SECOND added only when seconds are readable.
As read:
h=12 m=28
